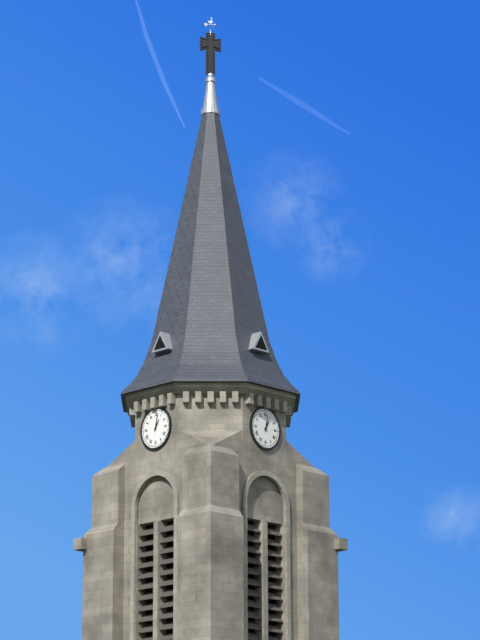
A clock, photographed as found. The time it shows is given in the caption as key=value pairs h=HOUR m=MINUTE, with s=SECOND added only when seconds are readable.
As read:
h=1 m=2
